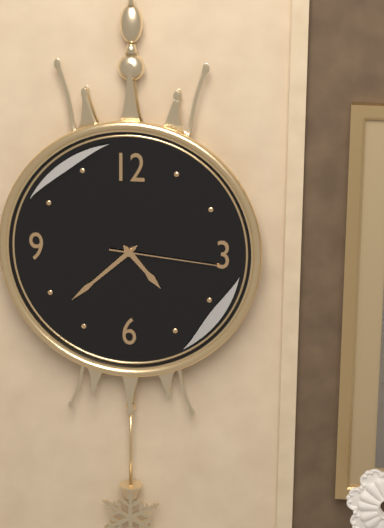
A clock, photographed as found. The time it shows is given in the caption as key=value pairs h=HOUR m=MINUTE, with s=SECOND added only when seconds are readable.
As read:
h=4 m=38 s=16
